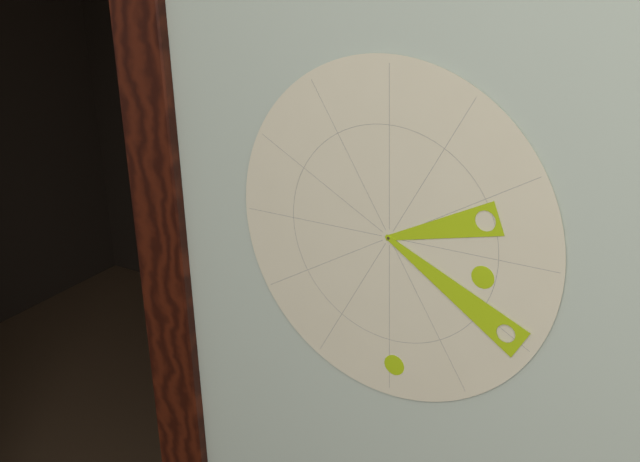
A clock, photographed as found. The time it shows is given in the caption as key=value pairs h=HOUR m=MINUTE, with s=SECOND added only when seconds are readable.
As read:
h=2 m=20
